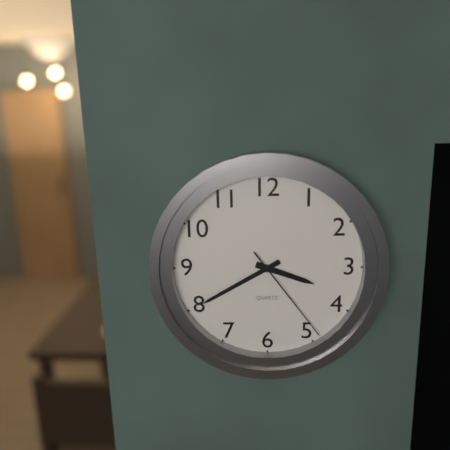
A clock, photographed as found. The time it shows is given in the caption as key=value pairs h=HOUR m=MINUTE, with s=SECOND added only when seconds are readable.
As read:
h=3 m=40 s=24
